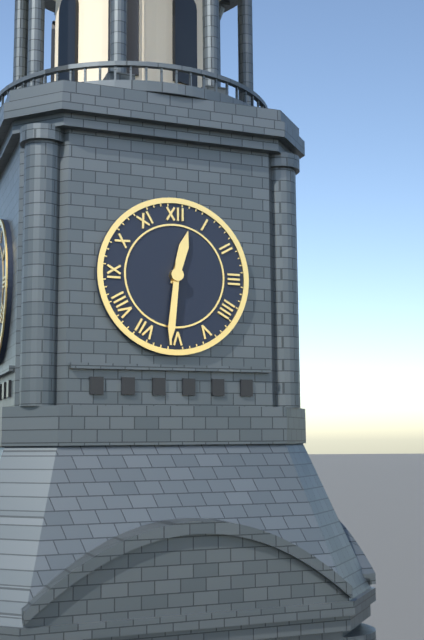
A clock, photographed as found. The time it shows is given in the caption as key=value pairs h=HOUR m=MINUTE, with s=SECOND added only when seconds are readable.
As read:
h=12 m=31
